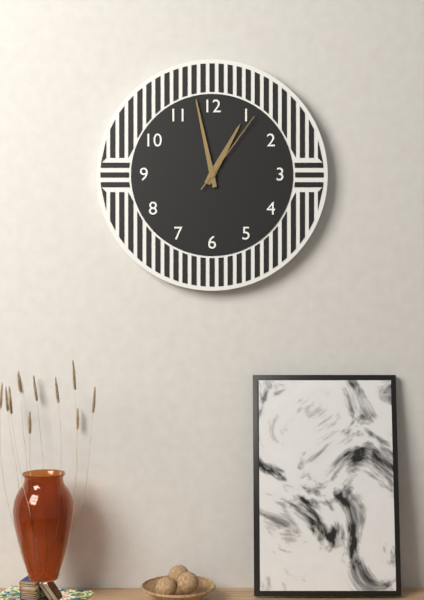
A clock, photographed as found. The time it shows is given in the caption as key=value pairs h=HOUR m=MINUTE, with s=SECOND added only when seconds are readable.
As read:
h=12 m=58 s=6
